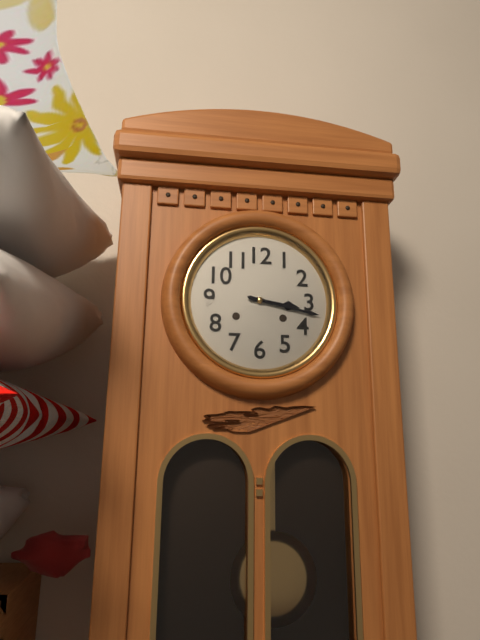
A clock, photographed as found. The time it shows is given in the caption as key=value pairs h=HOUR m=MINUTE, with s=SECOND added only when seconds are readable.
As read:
h=3 m=17
